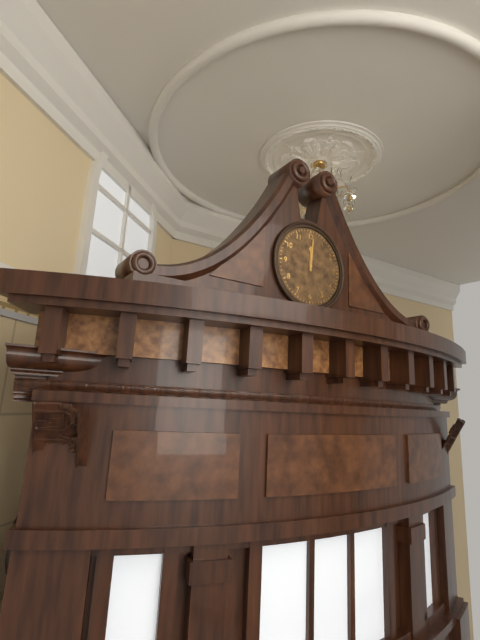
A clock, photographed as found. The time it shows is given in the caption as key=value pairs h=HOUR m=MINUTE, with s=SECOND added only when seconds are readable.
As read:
h=12 m=1
